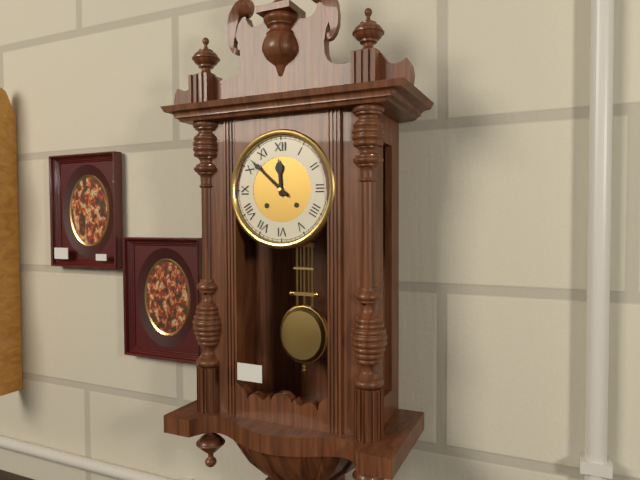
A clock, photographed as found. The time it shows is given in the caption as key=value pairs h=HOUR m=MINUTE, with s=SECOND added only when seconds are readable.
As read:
h=11 m=52
